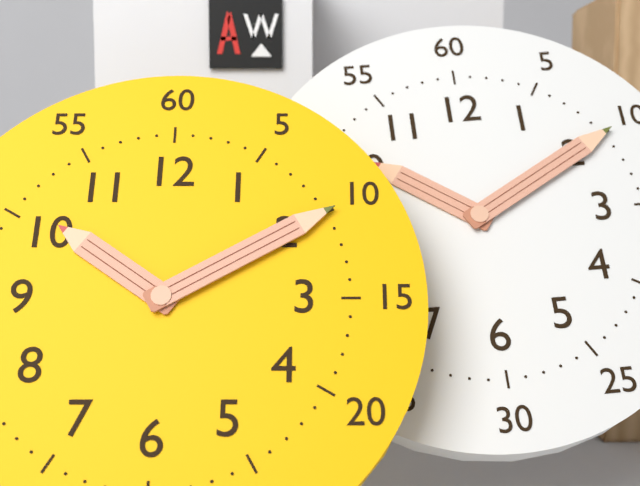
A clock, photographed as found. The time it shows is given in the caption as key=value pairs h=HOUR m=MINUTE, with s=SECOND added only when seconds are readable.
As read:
h=10 m=10
